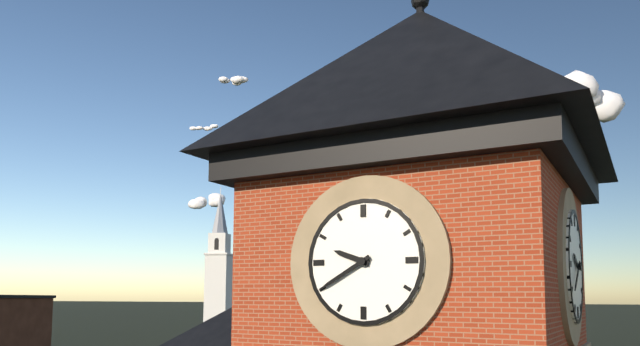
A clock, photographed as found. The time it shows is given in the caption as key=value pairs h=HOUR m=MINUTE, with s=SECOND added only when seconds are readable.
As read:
h=9 m=40
